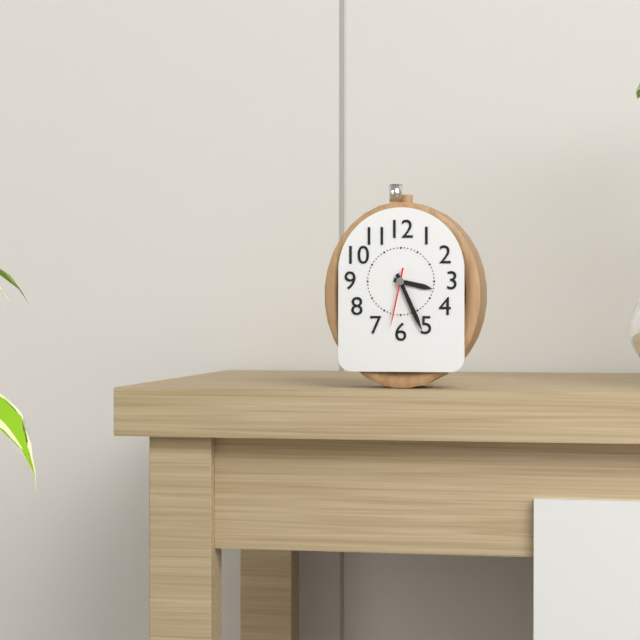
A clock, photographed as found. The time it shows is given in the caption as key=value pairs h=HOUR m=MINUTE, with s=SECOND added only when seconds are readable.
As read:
h=3 m=26 s=32
